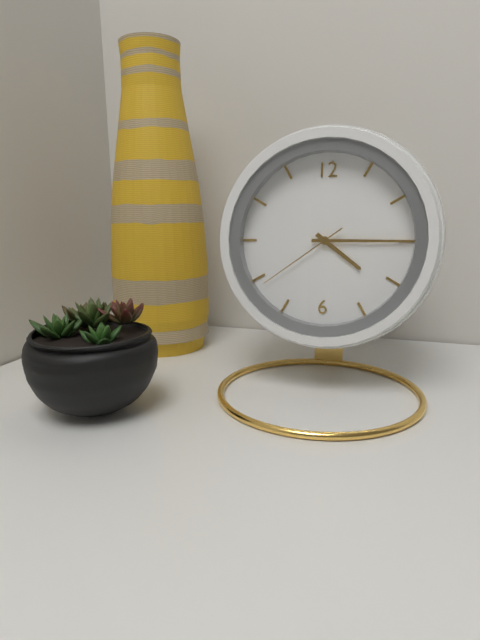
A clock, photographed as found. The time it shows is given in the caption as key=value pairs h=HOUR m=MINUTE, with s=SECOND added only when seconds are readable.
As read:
h=4 m=15 s=39
